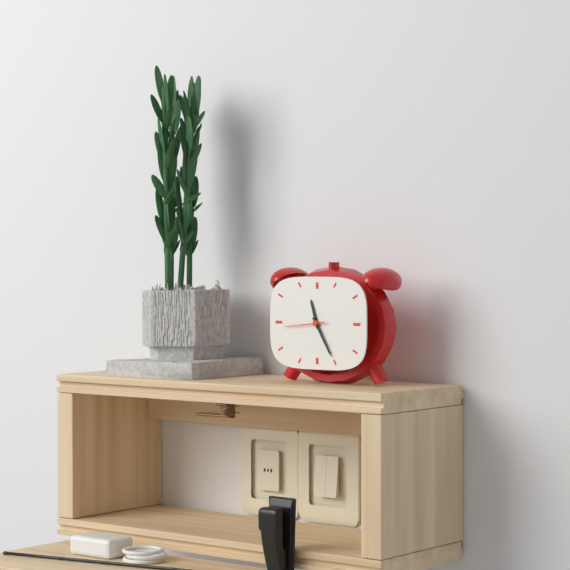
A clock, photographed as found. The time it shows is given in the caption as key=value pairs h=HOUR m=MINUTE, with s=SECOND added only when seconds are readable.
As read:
h=11 m=25
